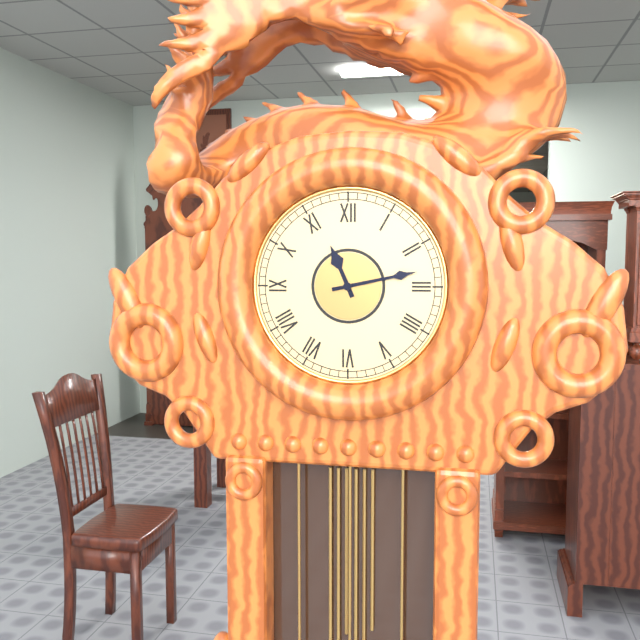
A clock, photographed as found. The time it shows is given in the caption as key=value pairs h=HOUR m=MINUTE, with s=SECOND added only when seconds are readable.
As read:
h=11 m=13
